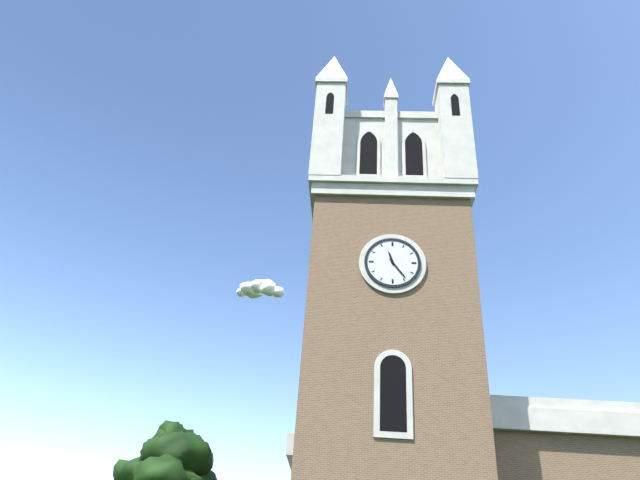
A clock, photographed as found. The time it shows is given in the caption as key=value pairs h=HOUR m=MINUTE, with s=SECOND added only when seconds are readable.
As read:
h=11 m=24
